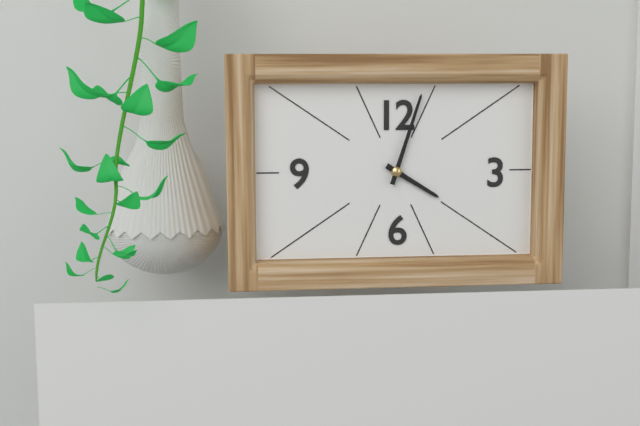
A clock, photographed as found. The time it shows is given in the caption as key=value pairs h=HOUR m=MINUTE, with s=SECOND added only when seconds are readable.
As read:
h=4 m=3
